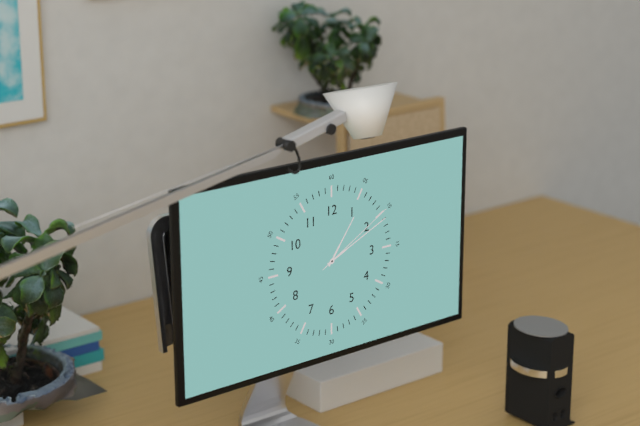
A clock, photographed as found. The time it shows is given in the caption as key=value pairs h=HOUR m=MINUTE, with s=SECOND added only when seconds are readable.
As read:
h=1 m=11 s=10
